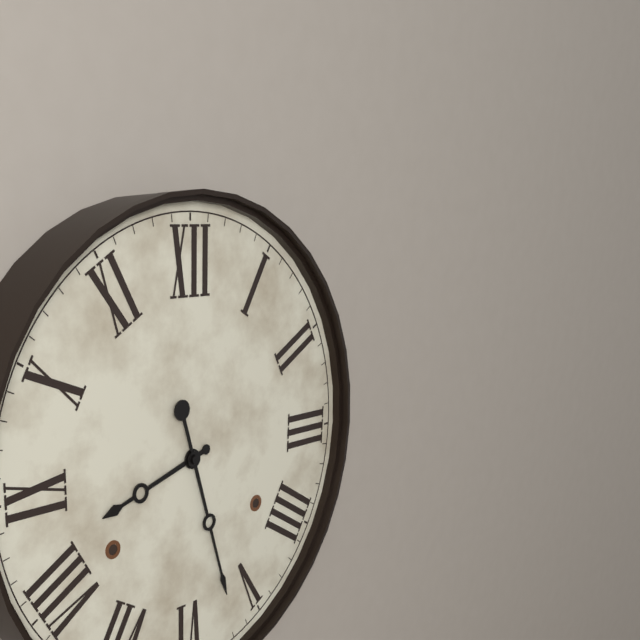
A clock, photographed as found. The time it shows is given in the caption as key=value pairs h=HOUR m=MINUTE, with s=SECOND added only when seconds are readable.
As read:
h=8 m=27
